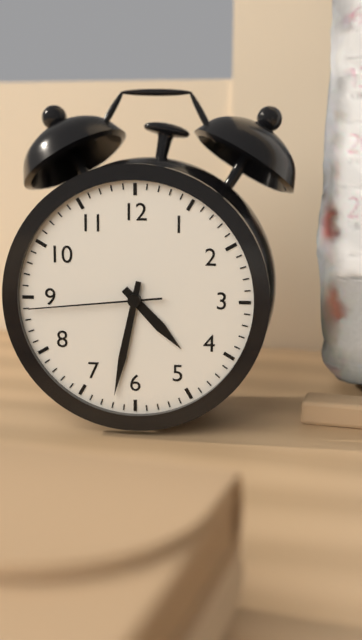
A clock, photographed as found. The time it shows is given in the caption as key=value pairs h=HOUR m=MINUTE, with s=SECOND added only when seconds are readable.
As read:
h=4 m=32 s=44
